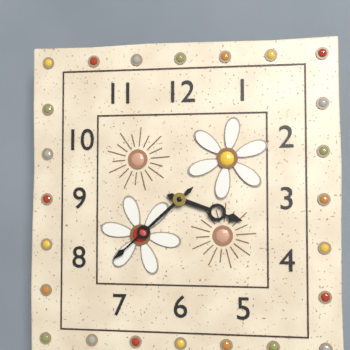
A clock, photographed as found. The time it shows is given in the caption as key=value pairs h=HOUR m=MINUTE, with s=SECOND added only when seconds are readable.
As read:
h=3 m=38
